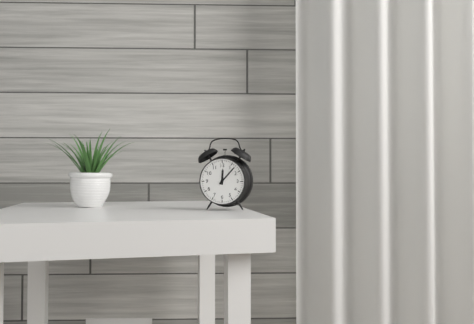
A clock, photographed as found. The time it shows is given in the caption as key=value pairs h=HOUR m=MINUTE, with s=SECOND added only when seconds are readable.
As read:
h=12 m=7
